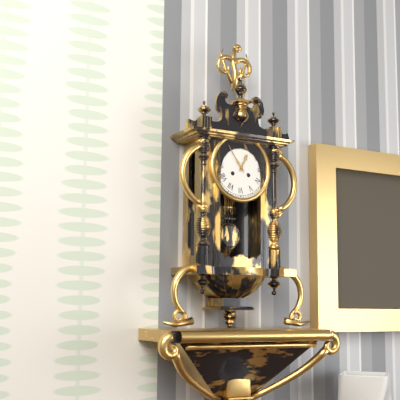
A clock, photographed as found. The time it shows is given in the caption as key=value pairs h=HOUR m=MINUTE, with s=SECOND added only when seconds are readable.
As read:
h=12 m=54
